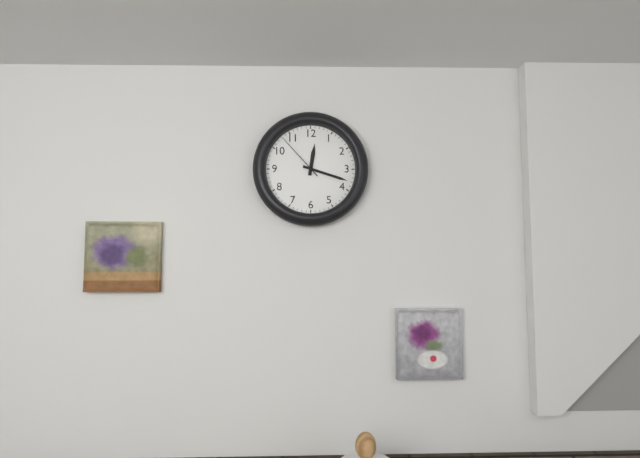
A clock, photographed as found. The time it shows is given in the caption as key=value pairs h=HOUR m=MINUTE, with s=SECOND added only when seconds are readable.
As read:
h=12 m=18 s=53
